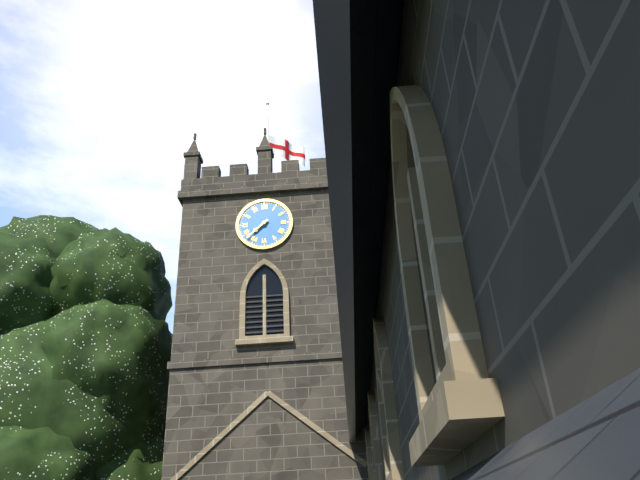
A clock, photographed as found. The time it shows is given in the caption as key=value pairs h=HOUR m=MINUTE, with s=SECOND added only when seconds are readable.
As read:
h=7 m=38
